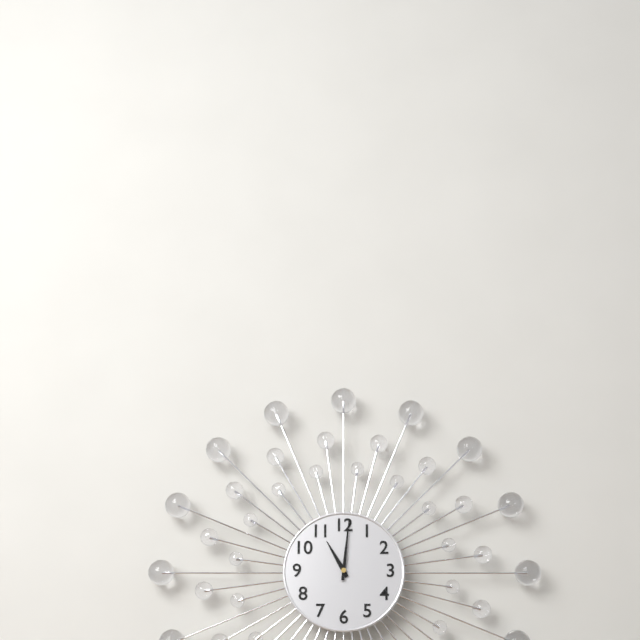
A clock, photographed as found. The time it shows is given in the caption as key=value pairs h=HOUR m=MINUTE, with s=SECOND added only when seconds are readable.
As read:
h=11 m=1
